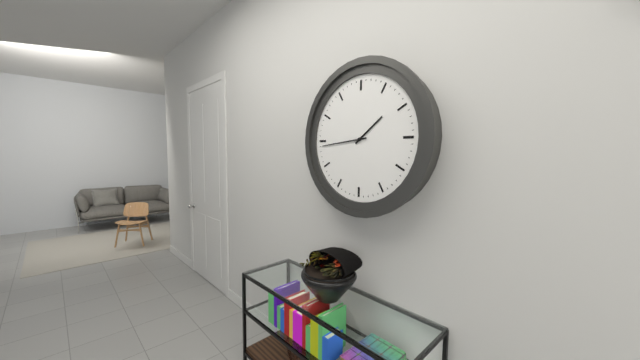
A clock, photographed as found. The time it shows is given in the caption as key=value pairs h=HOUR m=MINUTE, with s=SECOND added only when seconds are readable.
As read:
h=1 m=44
